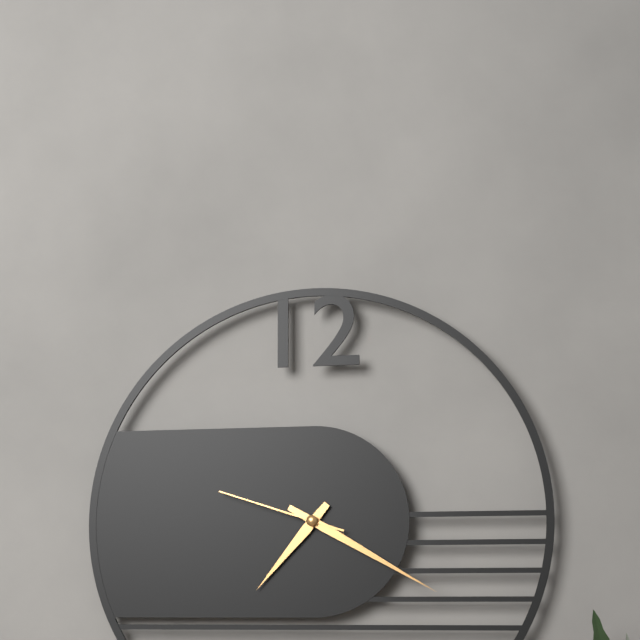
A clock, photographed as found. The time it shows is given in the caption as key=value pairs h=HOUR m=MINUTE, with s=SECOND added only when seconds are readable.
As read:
h=7 m=20 s=48
